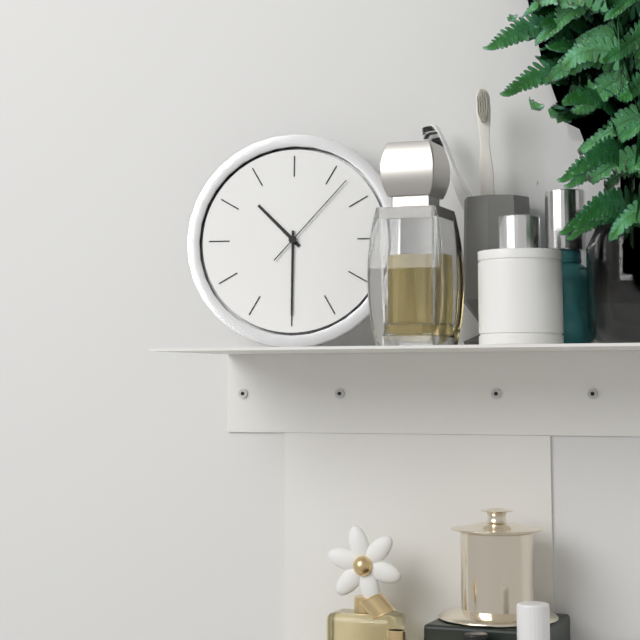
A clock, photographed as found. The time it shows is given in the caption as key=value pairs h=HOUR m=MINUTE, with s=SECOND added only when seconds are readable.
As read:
h=10 m=30 s=7
